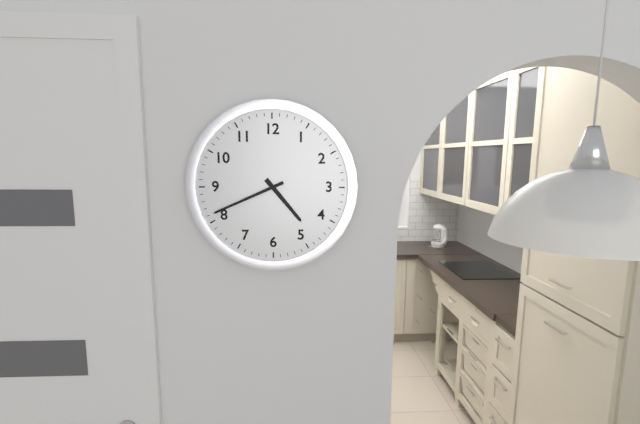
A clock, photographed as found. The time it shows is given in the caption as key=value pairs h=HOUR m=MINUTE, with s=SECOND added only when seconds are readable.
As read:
h=4 m=41
